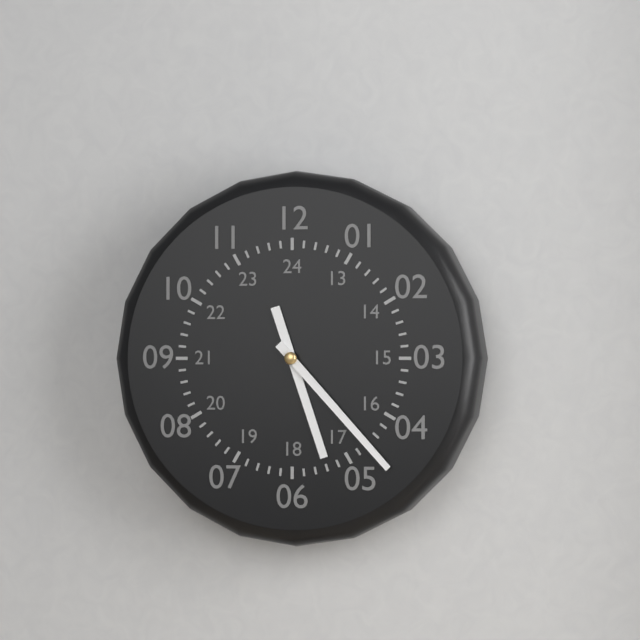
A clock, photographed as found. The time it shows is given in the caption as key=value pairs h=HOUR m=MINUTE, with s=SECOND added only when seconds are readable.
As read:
h=5 m=23
